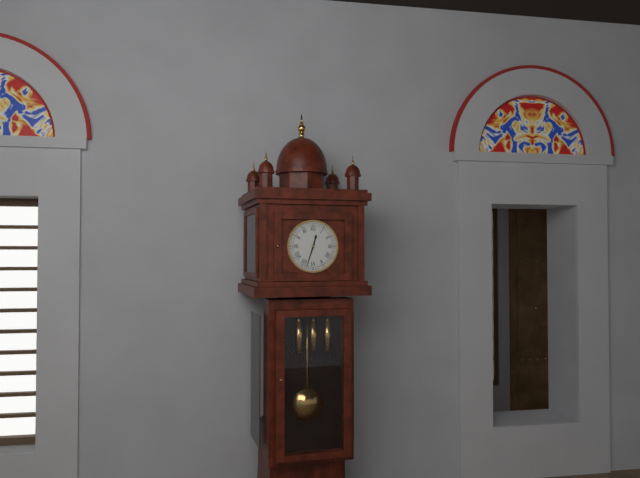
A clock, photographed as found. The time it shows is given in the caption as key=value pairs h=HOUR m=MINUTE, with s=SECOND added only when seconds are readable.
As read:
h=12 m=33
